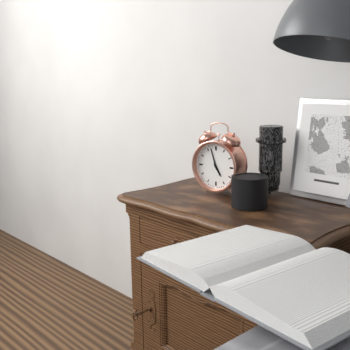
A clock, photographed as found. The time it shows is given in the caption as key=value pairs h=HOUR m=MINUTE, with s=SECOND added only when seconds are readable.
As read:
h=4 m=57
